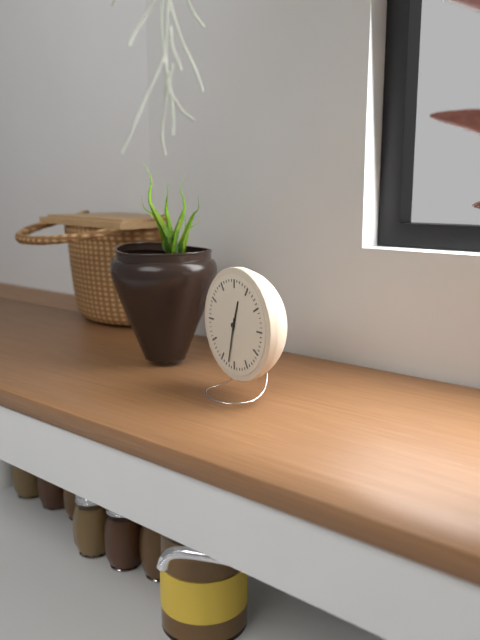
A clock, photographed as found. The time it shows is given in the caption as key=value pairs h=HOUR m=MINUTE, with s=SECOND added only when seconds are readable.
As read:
h=12 m=32
